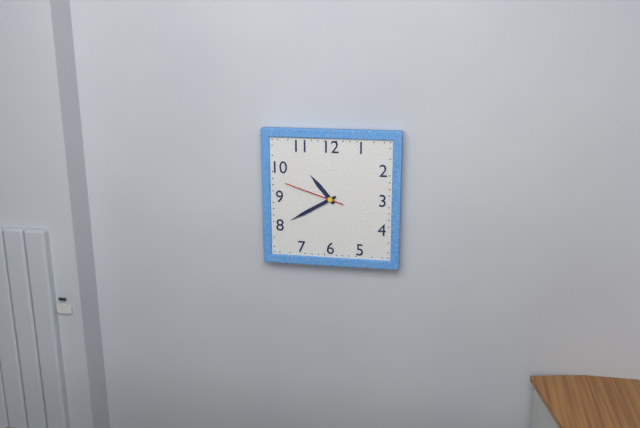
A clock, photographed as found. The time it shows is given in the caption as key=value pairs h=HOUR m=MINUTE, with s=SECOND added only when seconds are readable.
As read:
h=10 m=40 s=48
